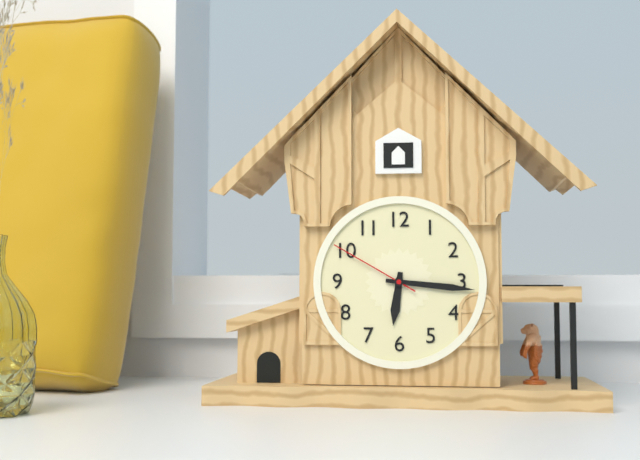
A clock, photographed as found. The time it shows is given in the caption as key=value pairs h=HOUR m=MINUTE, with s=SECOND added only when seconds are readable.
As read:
h=6 m=16 s=50
